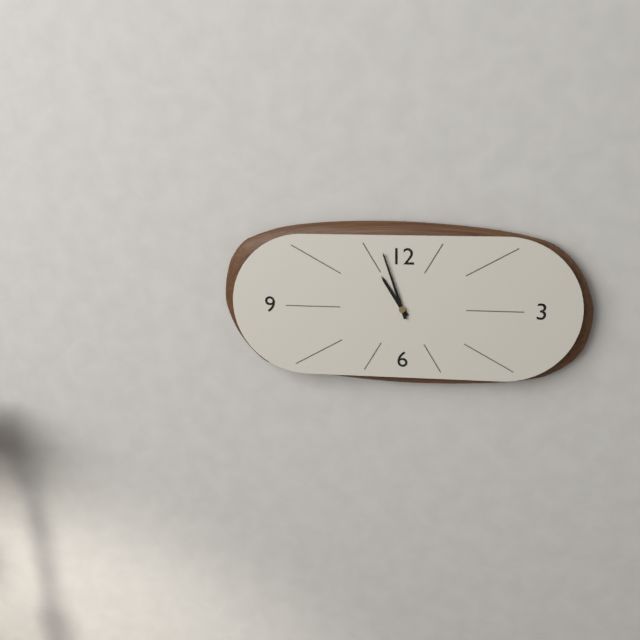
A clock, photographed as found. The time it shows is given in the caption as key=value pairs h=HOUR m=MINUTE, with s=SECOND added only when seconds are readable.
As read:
h=10 m=57
